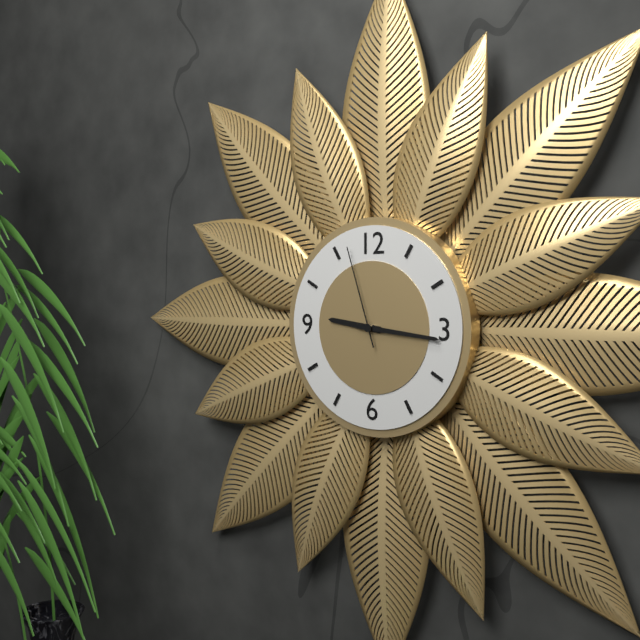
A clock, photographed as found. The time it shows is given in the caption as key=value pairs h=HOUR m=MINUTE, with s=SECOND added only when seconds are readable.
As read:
h=9 m=16 s=57
